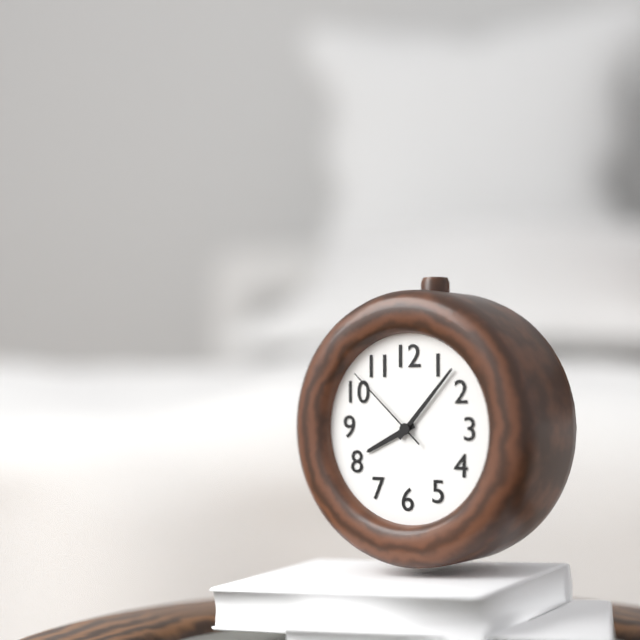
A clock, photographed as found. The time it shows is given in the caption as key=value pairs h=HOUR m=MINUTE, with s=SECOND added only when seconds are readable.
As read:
h=8 m=7 s=52
